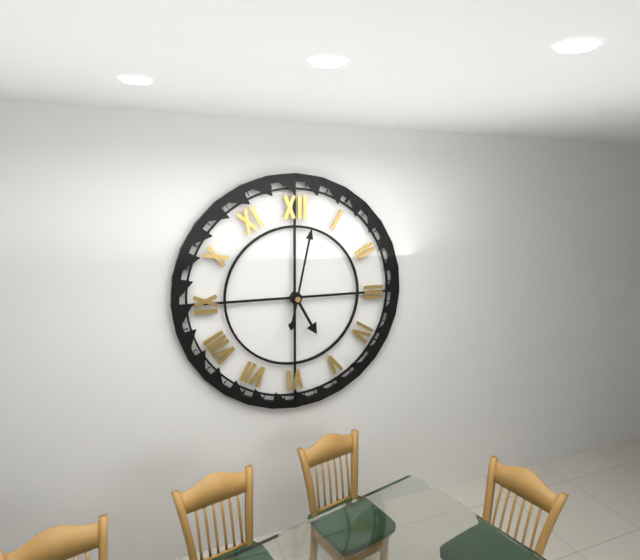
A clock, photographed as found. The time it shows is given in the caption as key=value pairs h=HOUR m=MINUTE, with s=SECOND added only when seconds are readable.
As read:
h=5 m=2
